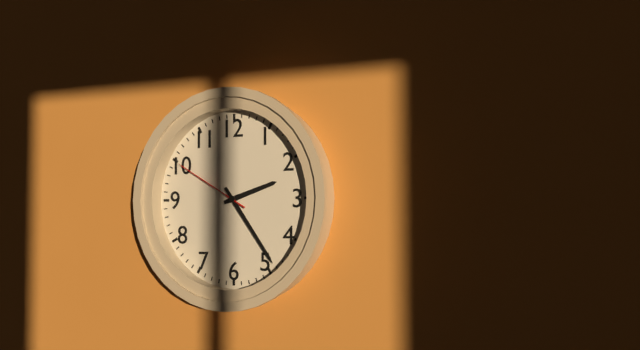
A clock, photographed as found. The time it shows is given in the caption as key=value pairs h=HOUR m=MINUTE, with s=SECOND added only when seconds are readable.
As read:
h=2 m=24 s=50
